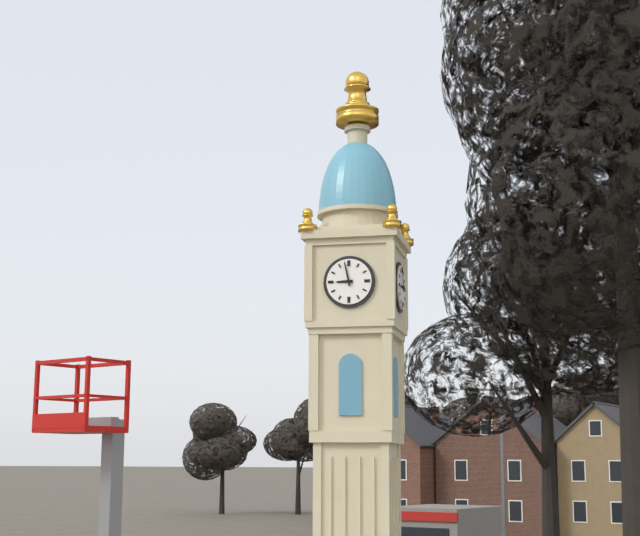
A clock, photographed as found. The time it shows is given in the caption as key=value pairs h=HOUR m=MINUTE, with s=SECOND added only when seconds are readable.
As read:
h=8 m=58
